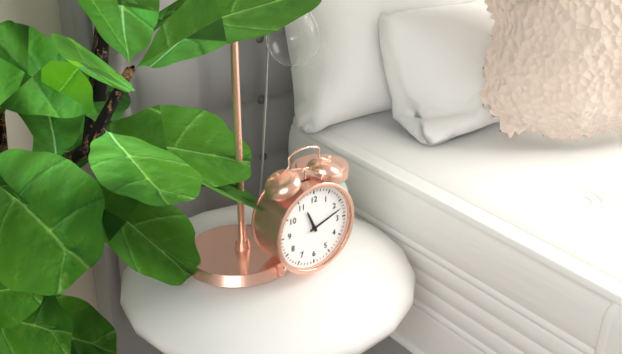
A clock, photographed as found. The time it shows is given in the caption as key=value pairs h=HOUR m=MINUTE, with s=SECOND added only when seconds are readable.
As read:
h=11 m=12
